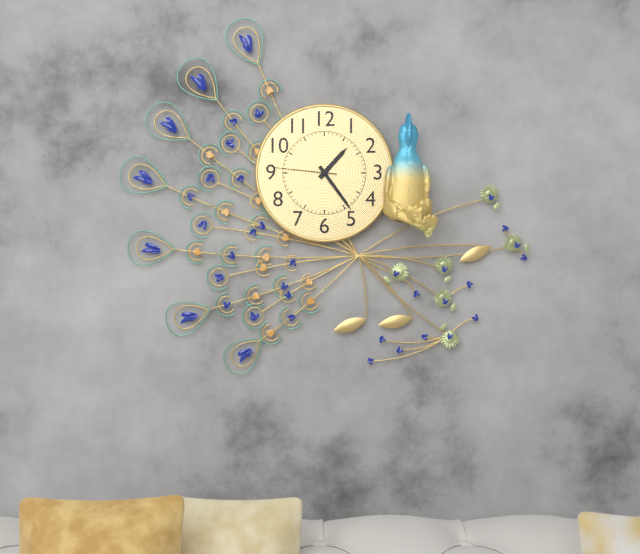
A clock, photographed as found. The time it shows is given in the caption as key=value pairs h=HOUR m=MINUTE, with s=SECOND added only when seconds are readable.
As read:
h=1 m=24 s=46
